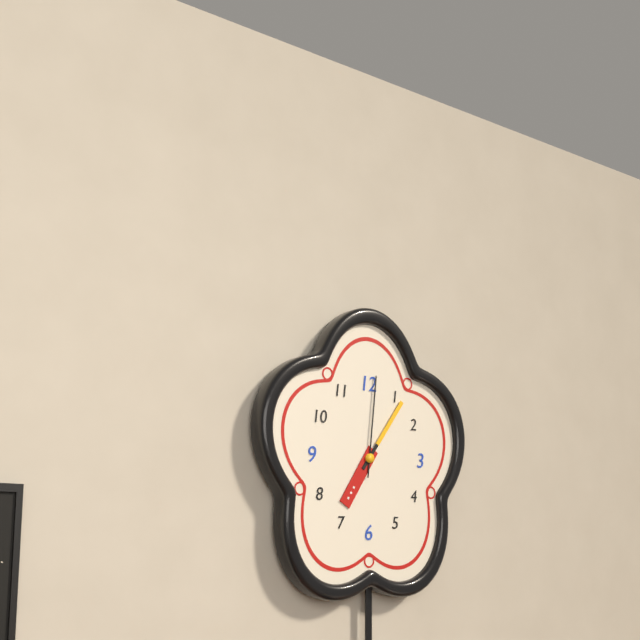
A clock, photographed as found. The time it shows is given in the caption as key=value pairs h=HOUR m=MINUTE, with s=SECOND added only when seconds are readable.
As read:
h=7 m=6 s=1
